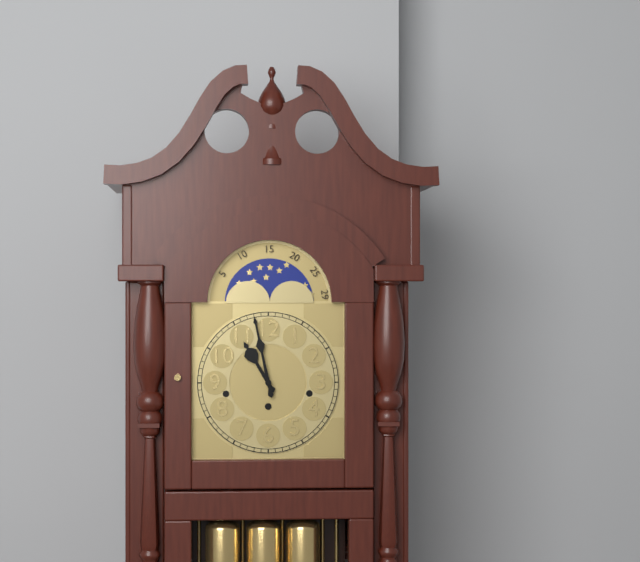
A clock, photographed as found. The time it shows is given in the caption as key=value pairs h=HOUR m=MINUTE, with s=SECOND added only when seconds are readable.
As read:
h=10 m=58
